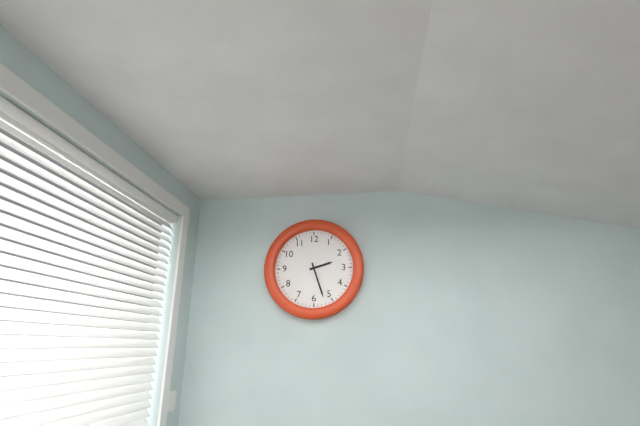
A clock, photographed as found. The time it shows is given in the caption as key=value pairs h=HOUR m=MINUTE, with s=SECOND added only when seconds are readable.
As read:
h=2 m=27
